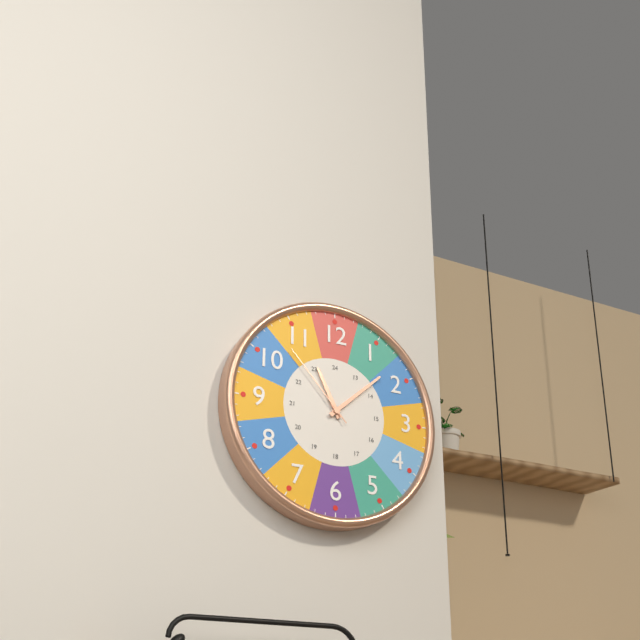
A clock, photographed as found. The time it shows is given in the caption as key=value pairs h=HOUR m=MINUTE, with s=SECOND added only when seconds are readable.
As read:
h=11 m=8 s=53
